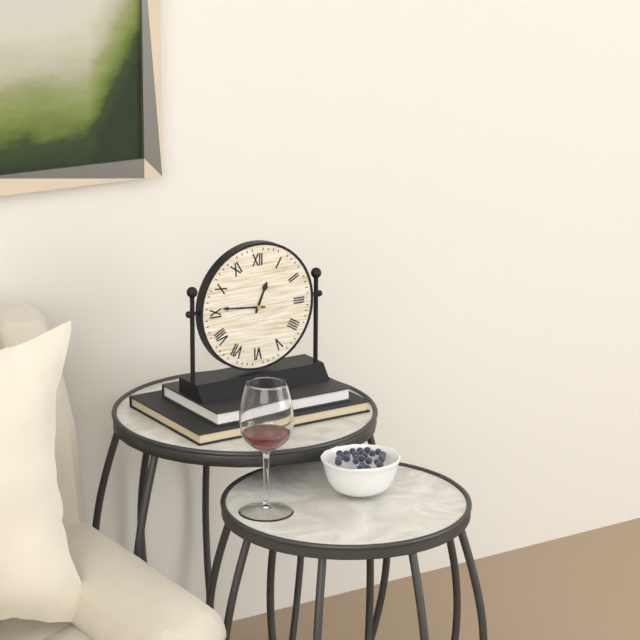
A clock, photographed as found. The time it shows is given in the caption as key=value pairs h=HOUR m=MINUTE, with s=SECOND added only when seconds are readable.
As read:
h=12 m=46
